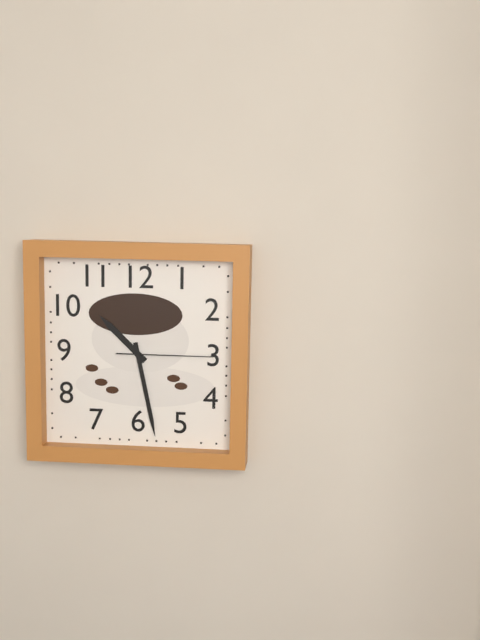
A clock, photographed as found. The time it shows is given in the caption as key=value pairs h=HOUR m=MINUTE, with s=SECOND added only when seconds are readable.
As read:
h=10 m=28 s=15
